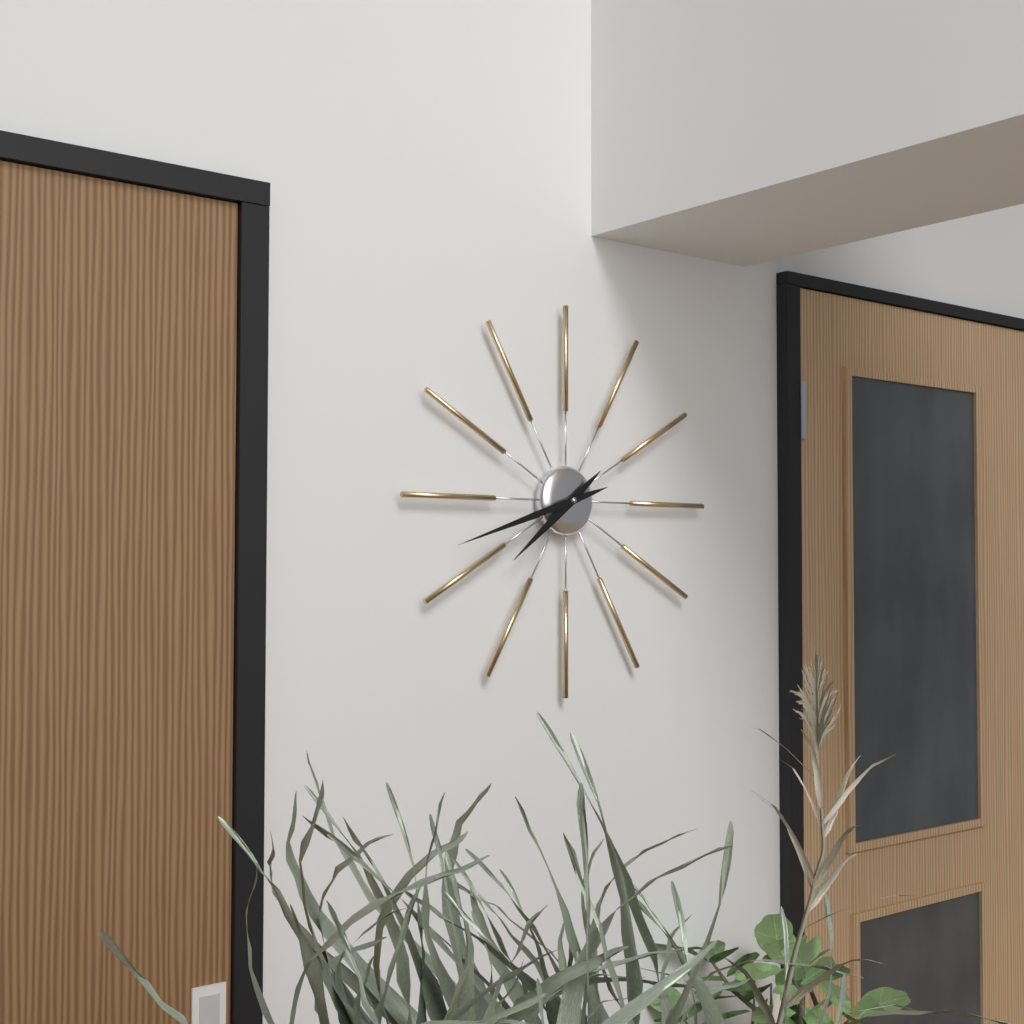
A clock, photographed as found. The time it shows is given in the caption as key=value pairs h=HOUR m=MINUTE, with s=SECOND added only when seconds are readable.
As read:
h=7 m=42
